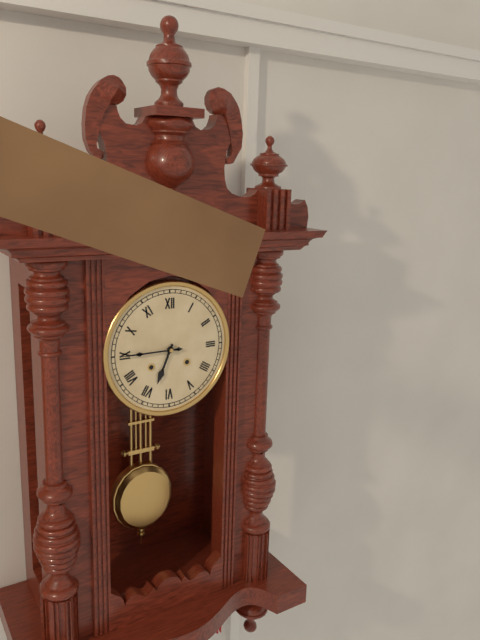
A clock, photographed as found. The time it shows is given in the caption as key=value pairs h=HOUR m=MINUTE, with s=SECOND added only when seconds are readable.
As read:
h=6 m=45
